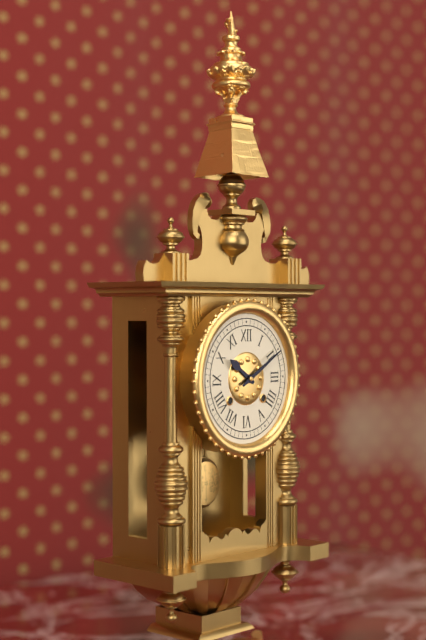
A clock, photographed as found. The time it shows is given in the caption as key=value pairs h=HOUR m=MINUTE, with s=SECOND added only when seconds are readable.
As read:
h=10 m=10
